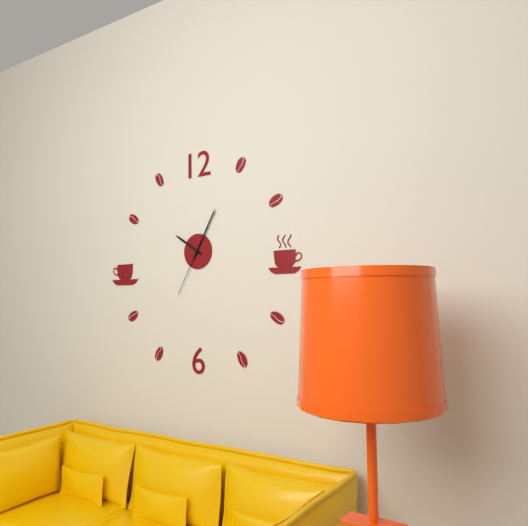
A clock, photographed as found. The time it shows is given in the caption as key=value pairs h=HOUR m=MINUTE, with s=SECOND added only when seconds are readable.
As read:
h=10 m=5 s=35
